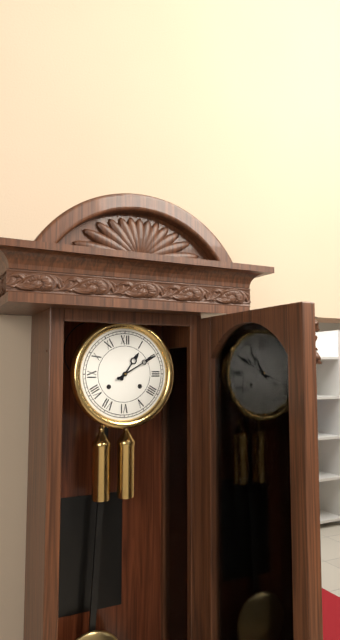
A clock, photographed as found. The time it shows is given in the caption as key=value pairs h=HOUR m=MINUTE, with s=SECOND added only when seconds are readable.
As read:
h=1 m=10
